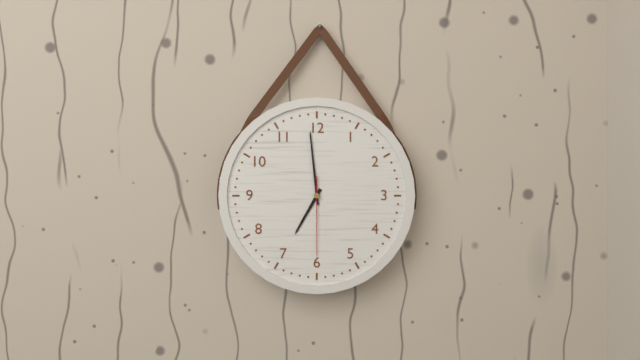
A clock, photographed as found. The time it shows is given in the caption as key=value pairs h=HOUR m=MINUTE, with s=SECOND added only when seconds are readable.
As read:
h=6 m=59 s=30
